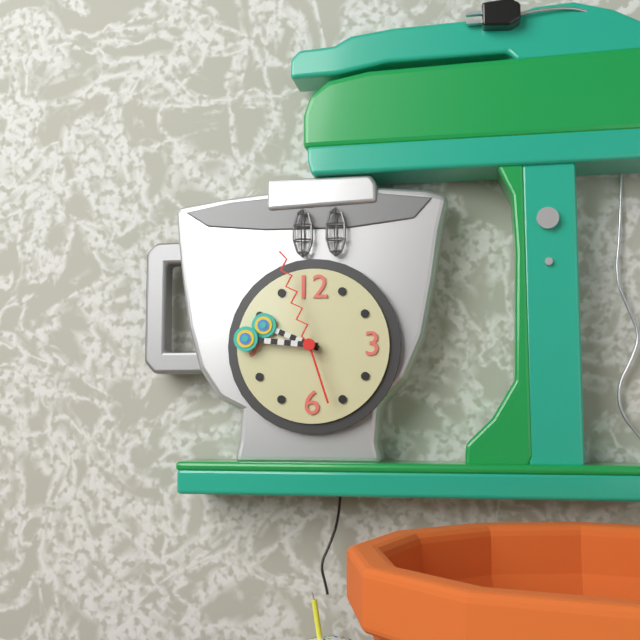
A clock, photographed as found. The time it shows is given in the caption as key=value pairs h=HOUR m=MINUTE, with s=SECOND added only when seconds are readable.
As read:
h=9 m=46 s=57
